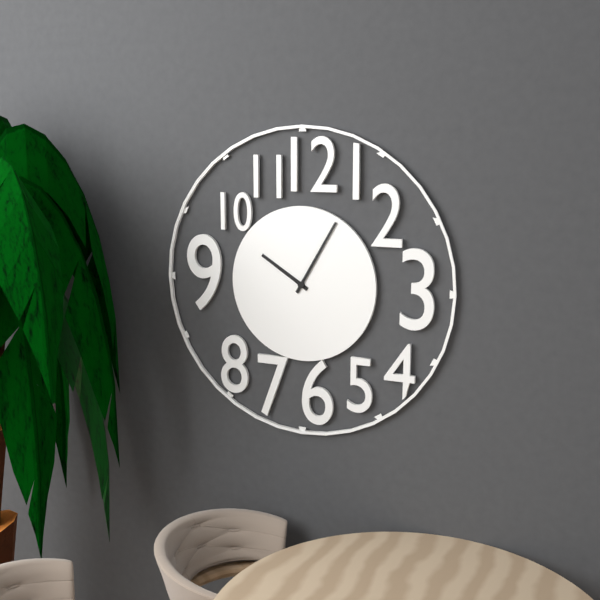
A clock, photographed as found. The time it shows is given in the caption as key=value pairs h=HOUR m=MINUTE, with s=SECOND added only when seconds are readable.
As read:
h=10 m=5
